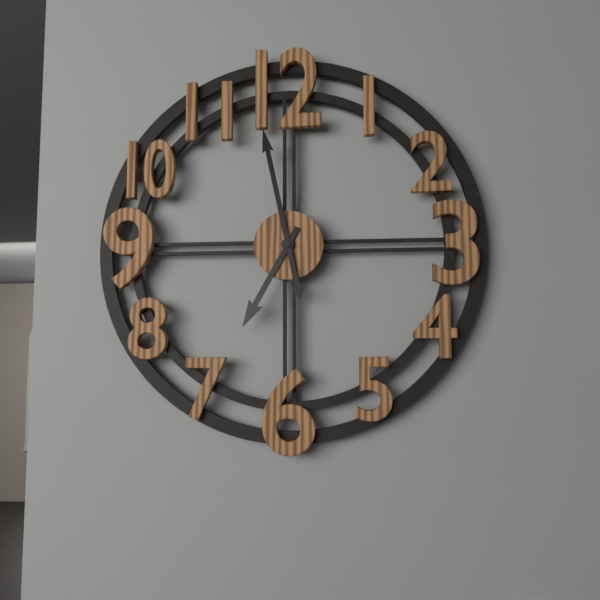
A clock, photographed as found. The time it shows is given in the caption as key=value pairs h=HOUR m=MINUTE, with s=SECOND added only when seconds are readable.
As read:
h=6 m=58
